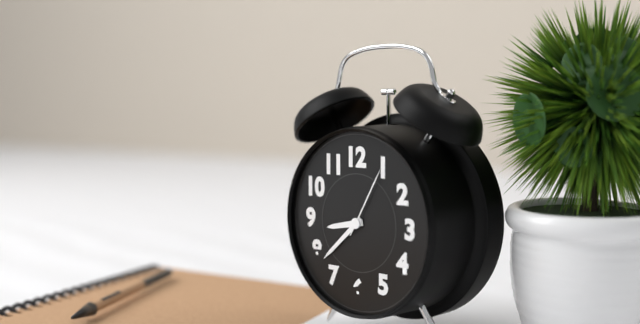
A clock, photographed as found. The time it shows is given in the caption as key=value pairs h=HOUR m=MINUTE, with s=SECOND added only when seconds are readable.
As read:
h=8 m=38 s=5
